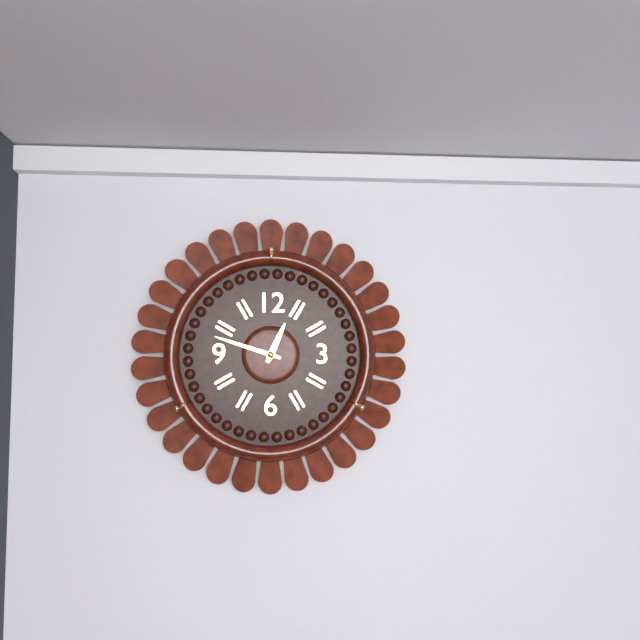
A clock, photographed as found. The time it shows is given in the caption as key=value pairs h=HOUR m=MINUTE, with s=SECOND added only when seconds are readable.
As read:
h=12 m=48
